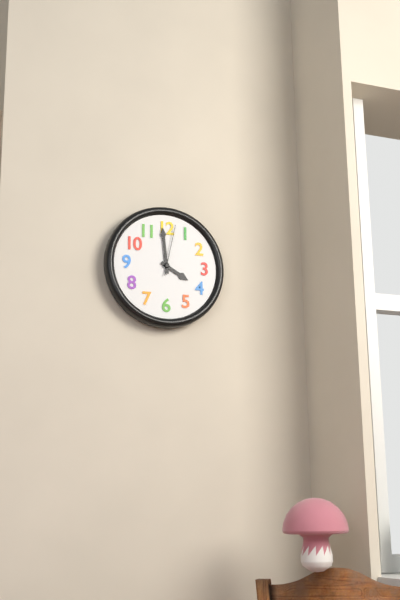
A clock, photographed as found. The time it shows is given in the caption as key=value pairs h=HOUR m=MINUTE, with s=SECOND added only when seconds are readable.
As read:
h=3 m=59 s=2
